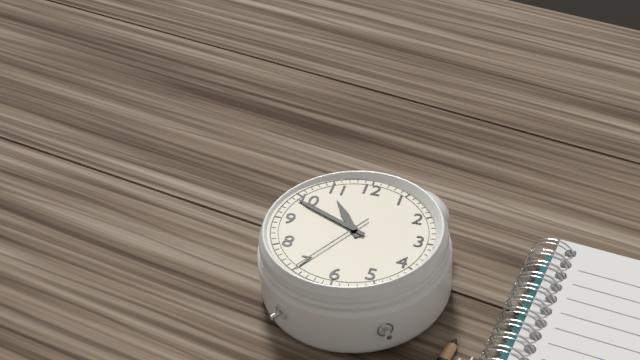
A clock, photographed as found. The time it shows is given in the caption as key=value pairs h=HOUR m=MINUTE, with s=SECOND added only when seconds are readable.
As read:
h=10 m=49 s=35
